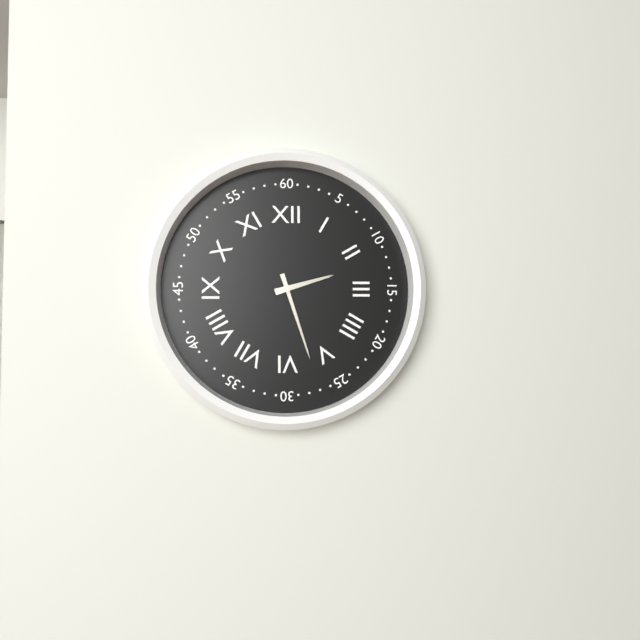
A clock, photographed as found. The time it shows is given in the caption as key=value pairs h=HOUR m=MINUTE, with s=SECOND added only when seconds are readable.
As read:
h=2 m=27
